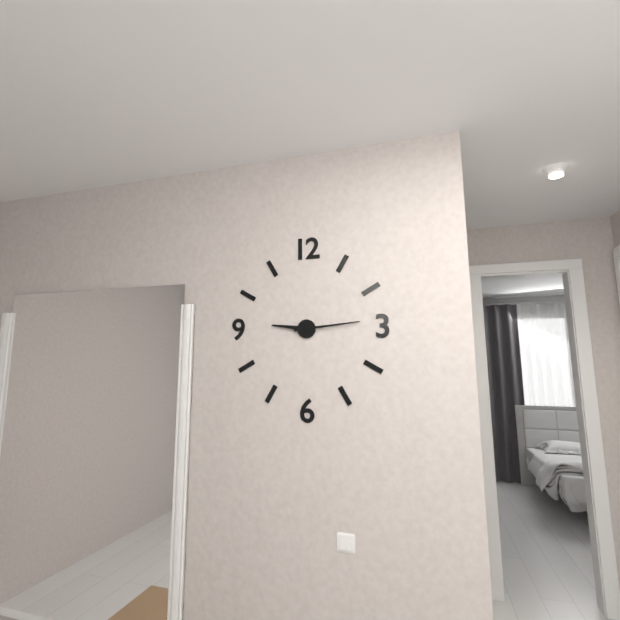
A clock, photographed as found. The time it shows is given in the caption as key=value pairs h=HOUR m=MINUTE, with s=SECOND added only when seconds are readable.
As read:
h=9 m=14
